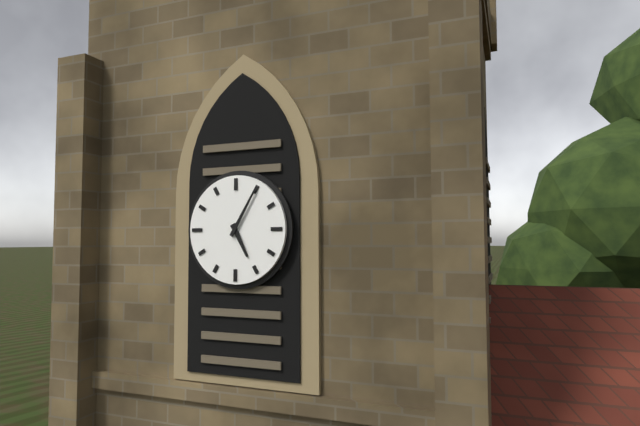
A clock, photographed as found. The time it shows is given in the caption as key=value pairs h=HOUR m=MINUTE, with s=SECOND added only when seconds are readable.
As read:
h=5 m=5
